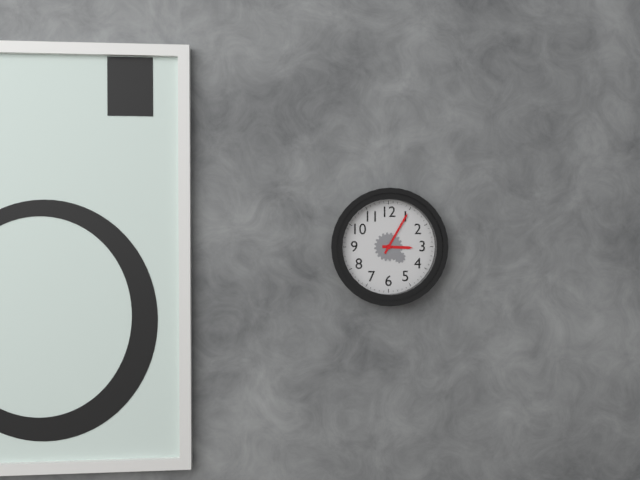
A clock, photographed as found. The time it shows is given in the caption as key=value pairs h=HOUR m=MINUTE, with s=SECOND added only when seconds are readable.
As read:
h=3 m=5
